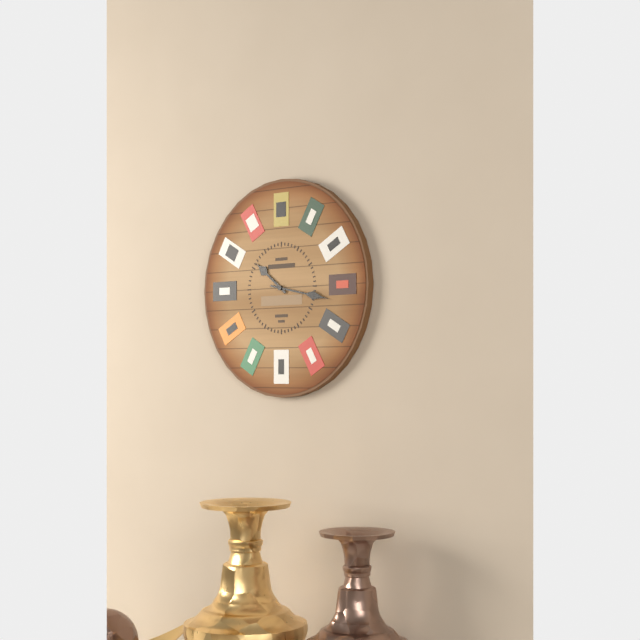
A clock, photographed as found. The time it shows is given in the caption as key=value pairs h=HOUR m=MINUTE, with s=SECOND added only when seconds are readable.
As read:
h=10 m=17
